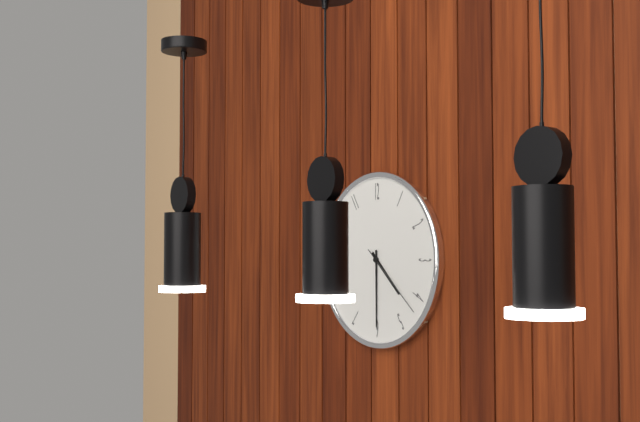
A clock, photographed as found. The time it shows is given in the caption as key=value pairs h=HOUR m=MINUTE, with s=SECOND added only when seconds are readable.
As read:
h=4 m=30 s=22
